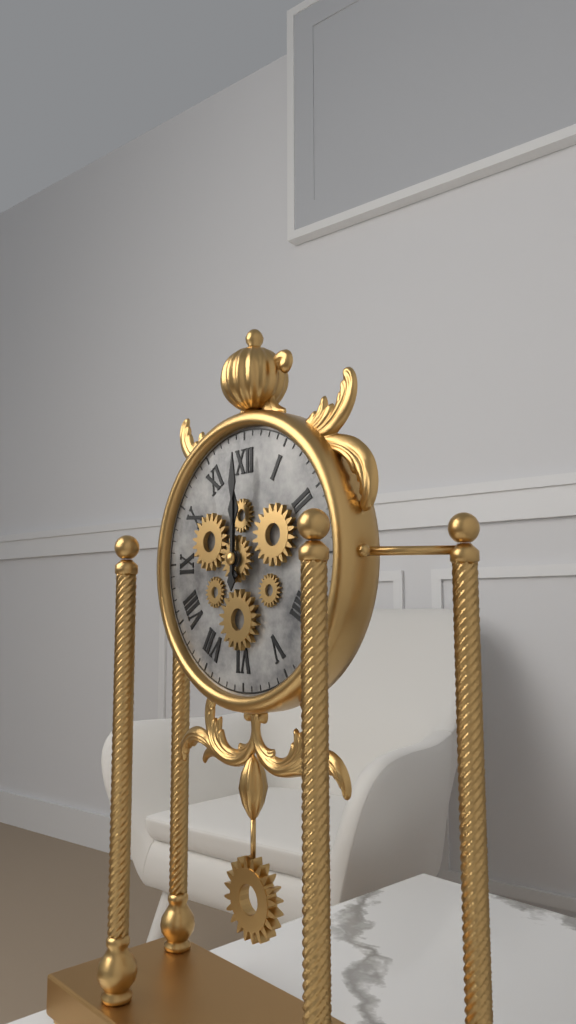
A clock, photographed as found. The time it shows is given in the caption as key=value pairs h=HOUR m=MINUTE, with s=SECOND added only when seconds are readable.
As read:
h=12 m=0
